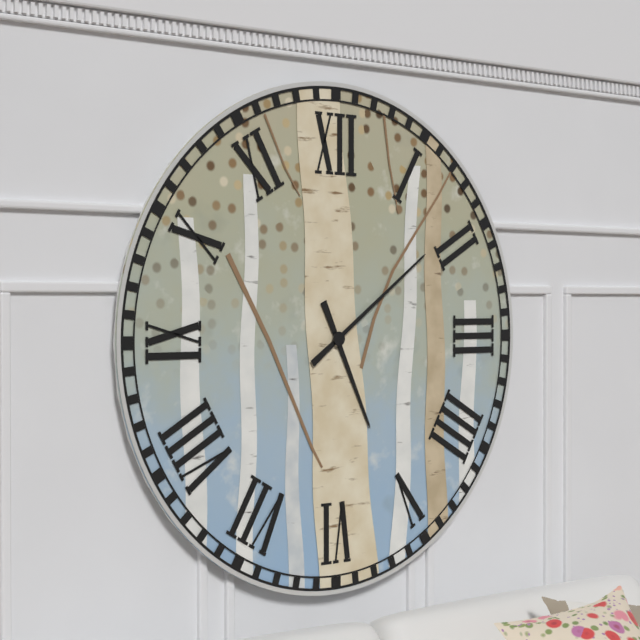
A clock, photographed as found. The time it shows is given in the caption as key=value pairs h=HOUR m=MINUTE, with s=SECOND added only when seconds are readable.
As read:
h=5 m=9
